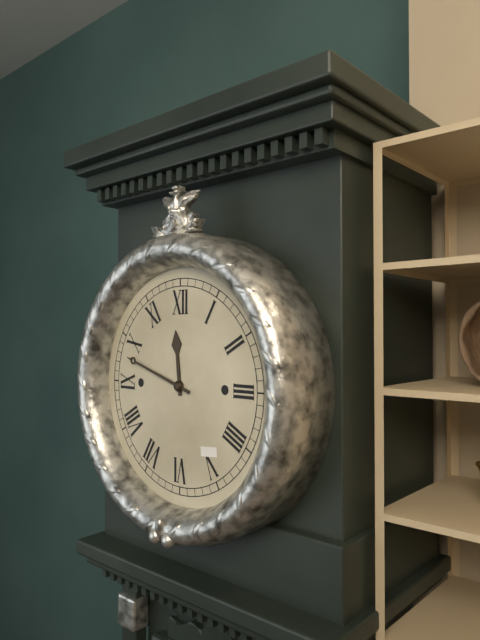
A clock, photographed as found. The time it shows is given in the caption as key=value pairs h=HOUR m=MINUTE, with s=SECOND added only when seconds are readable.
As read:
h=11 m=48
